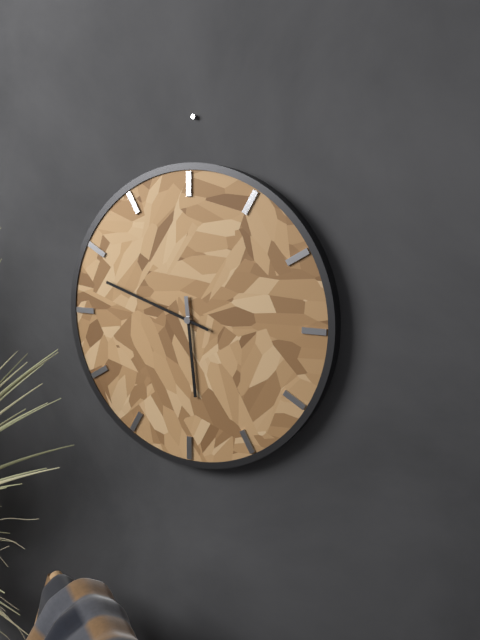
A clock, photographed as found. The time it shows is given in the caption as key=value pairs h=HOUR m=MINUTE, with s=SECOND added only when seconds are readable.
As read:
h=5 m=48
